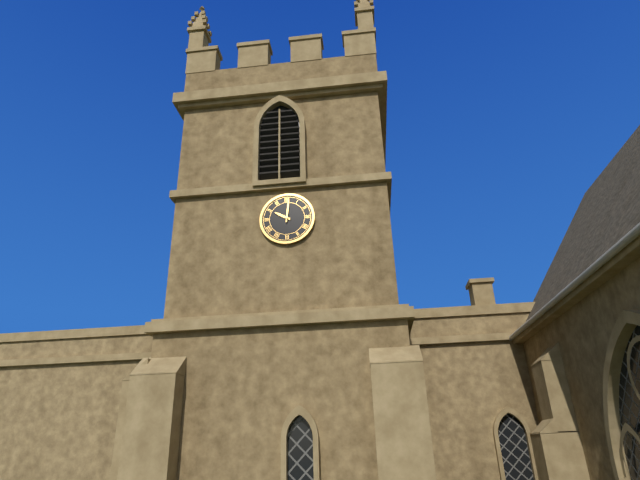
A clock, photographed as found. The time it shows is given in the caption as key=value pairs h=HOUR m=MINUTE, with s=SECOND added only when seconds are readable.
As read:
h=10 m=1
